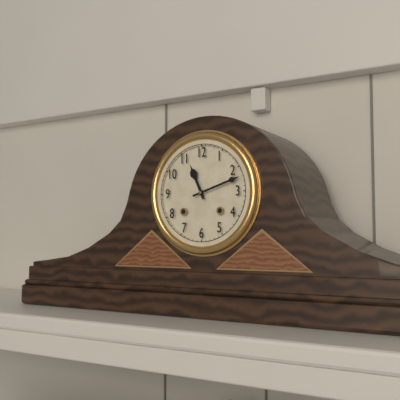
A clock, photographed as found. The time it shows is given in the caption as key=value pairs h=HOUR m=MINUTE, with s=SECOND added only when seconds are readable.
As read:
h=11 m=12
